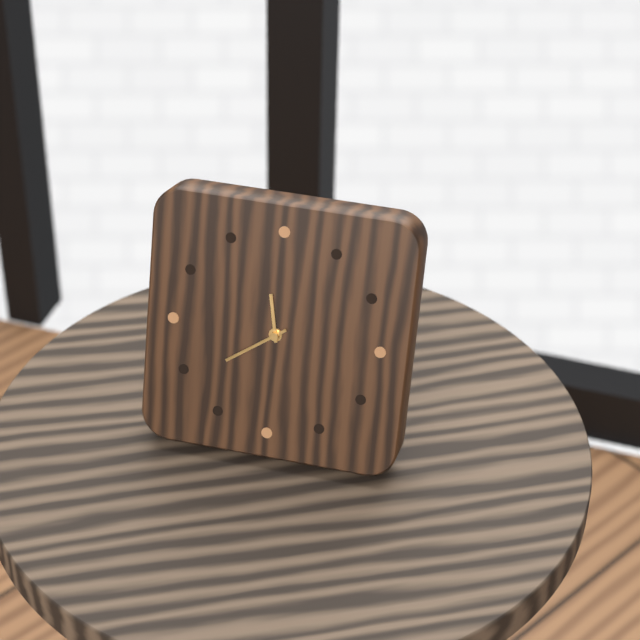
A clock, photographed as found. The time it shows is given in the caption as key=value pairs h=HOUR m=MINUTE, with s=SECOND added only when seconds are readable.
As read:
h=11 m=39
